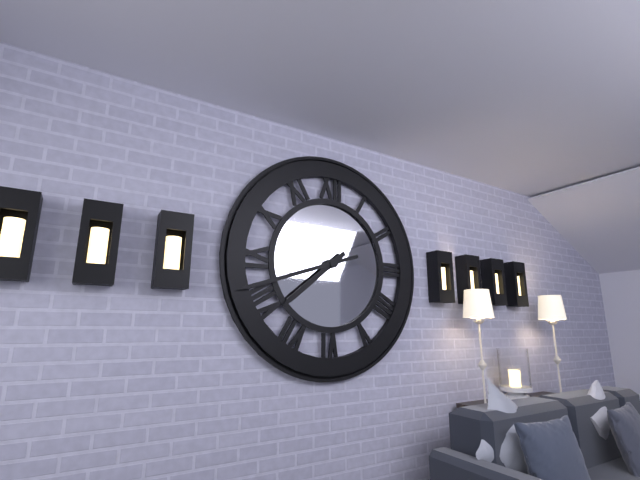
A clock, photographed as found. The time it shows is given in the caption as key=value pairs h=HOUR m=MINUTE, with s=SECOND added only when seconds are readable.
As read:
h=7 m=42
